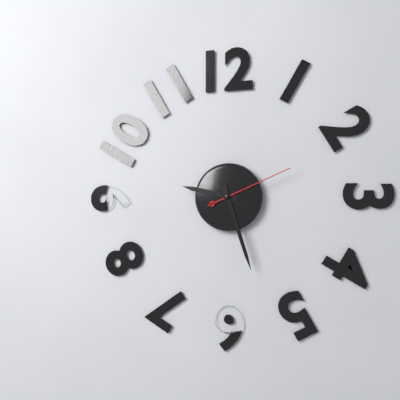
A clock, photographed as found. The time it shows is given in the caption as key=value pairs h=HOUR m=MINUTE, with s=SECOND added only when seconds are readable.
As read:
h=9 m=27 s=11
